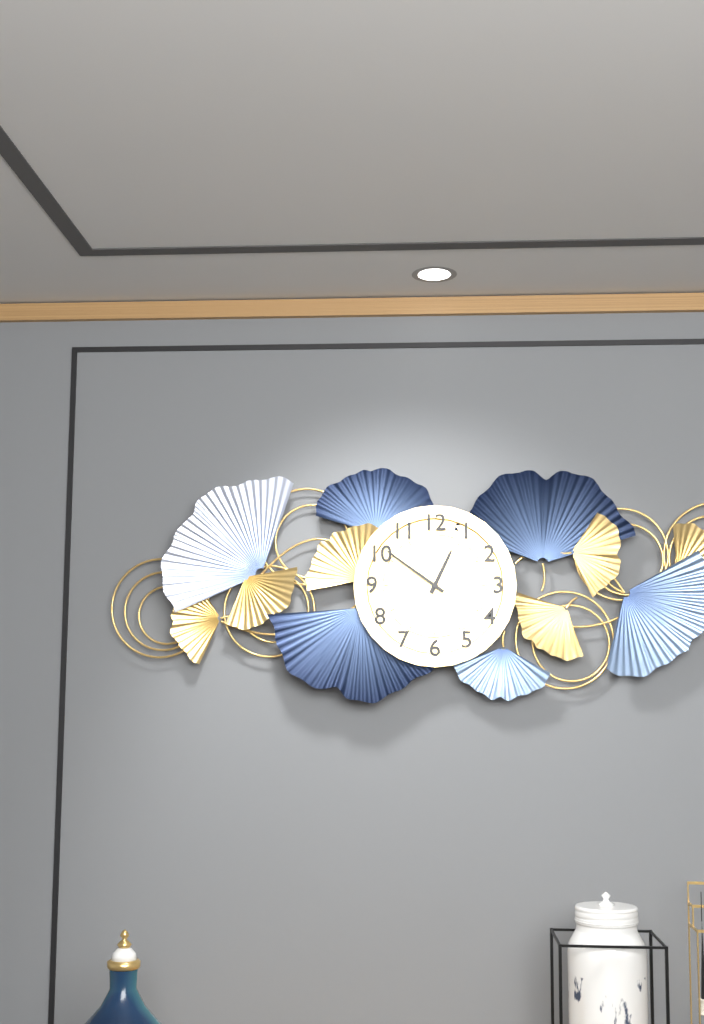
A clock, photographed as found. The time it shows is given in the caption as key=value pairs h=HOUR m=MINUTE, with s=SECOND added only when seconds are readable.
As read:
h=12 m=51
